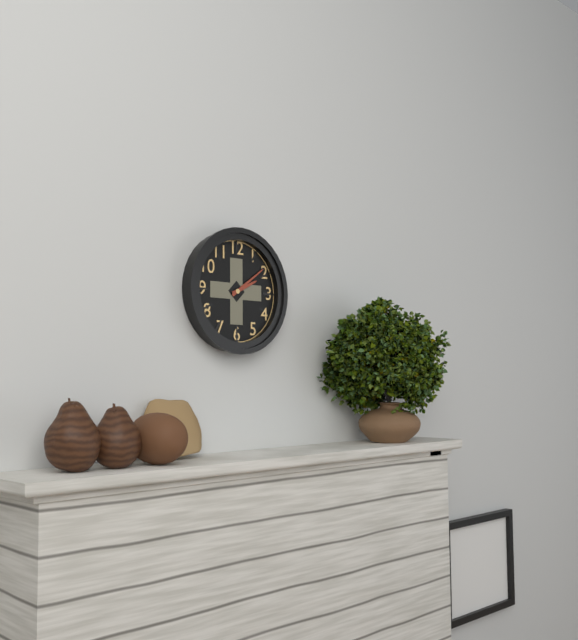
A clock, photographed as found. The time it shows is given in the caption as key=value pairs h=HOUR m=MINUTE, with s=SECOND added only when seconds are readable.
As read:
h=2 m=9
